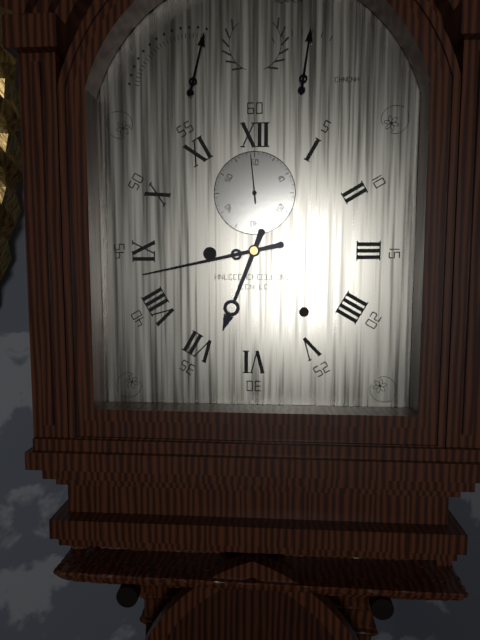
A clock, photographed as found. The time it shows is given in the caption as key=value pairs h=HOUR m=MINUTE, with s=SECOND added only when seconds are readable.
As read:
h=6 m=43
